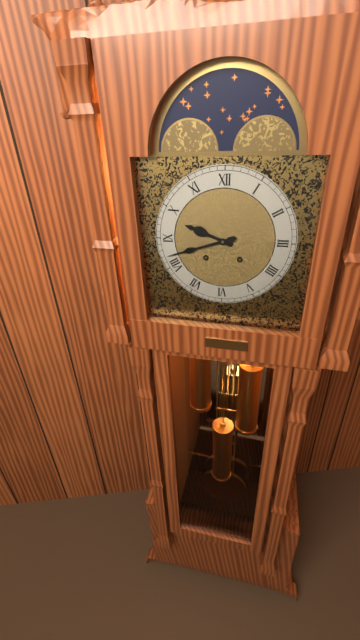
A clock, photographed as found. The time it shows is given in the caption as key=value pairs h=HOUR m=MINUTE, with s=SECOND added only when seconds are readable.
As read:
h=9 m=42
